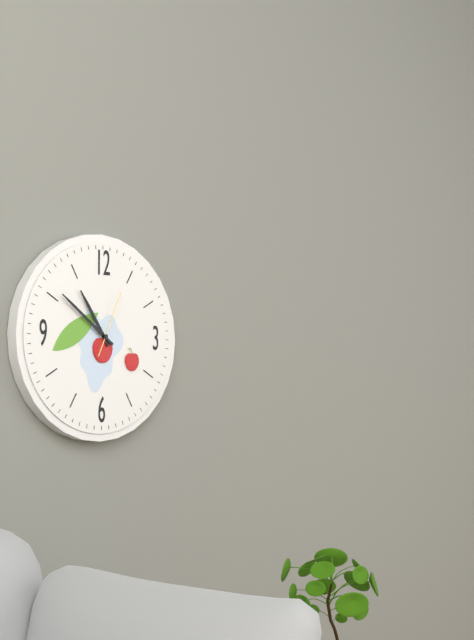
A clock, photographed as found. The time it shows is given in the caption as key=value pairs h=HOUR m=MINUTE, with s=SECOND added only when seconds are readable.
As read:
h=10 m=51 s=4
